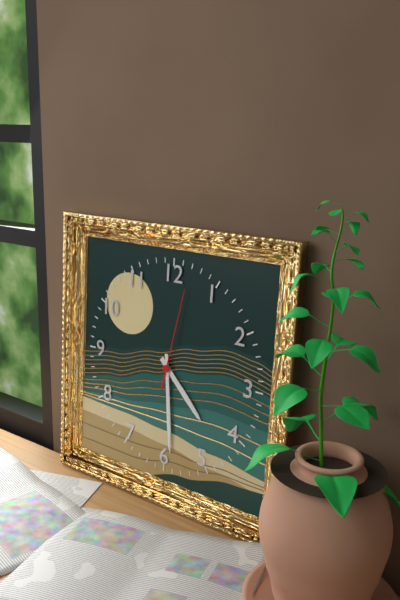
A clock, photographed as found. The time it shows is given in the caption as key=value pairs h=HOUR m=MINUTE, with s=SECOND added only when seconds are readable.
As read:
h=4 m=29 s=2
